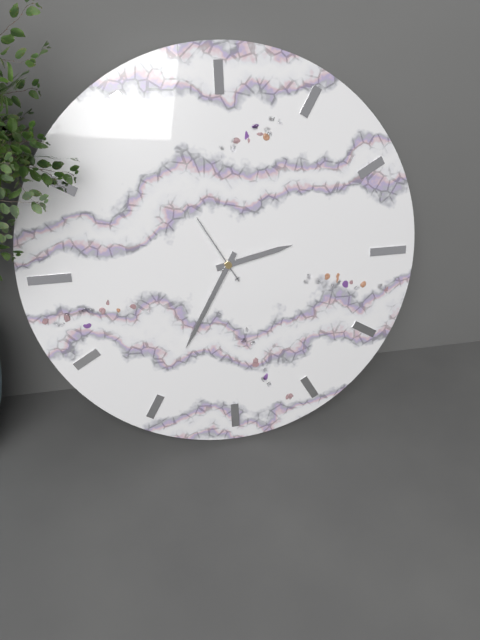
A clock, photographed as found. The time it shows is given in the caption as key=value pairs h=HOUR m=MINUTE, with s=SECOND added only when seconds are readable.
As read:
h=2 m=35 s=55
